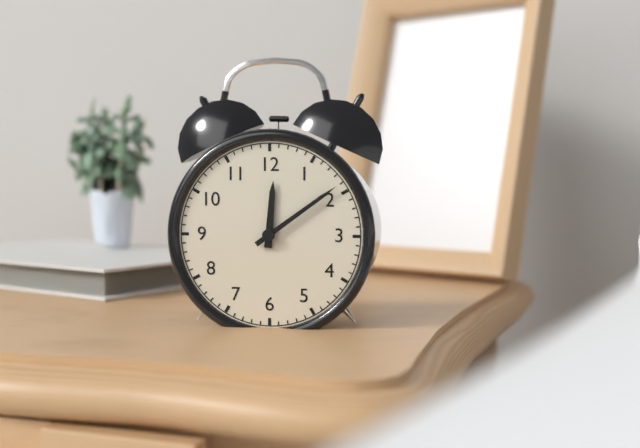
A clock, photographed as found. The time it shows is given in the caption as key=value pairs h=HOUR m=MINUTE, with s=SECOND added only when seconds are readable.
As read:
h=12 m=9
